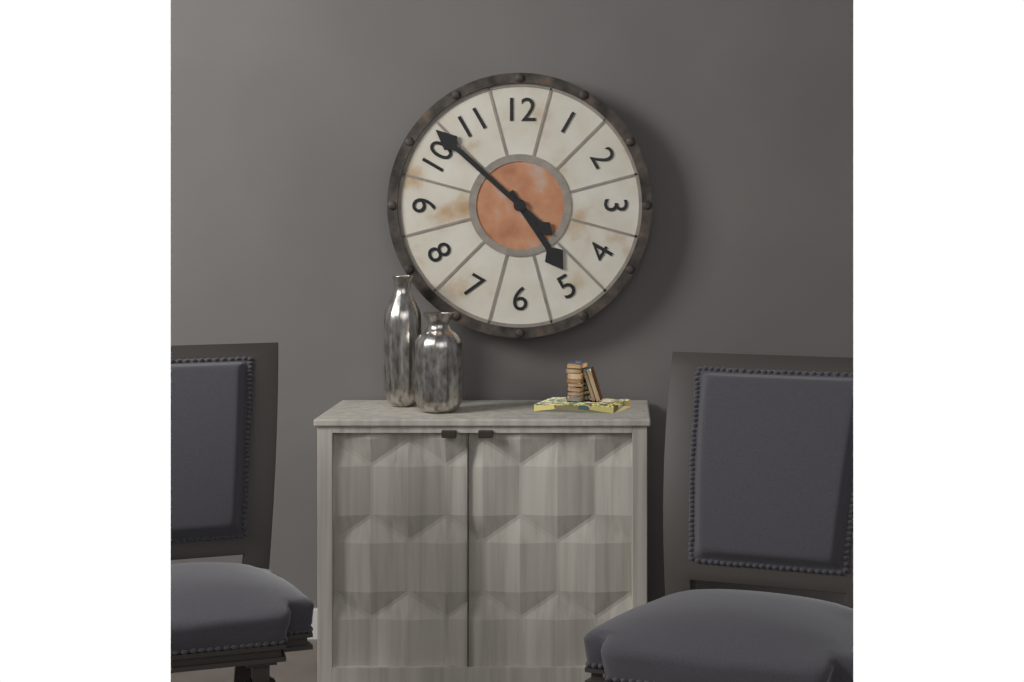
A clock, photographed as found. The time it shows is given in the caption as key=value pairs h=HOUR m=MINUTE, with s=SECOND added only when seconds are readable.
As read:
h=4 m=52
